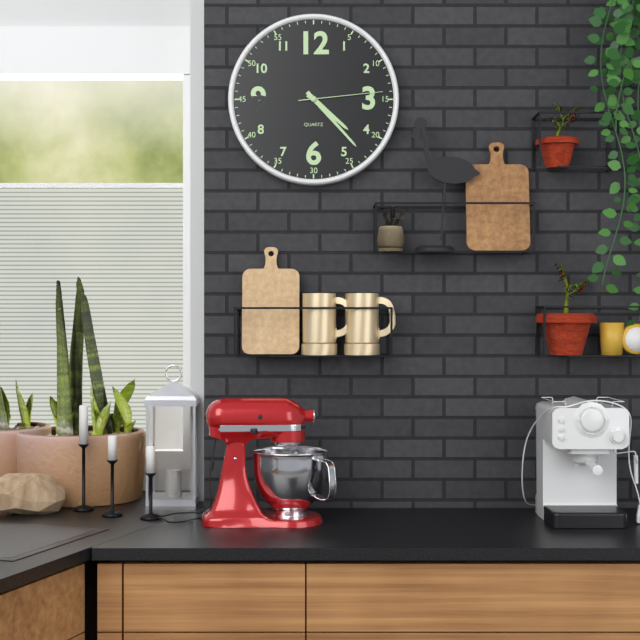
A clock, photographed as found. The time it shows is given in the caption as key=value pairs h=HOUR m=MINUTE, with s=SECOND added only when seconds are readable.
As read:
h=4 m=23 s=14
